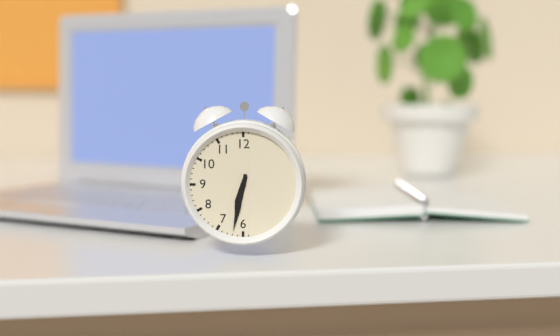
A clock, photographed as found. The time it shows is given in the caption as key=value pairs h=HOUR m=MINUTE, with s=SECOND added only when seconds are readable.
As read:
h=6 m=32
